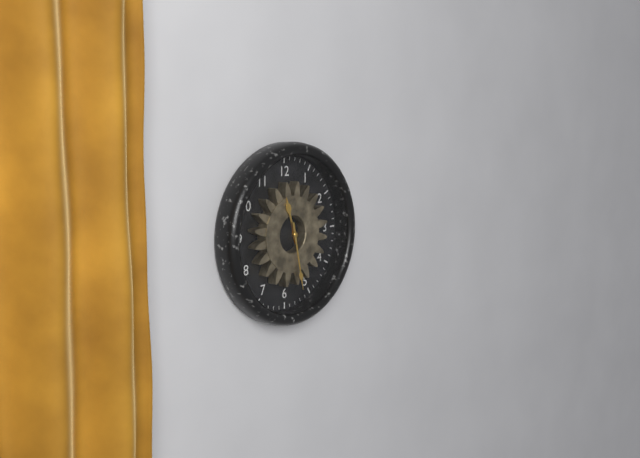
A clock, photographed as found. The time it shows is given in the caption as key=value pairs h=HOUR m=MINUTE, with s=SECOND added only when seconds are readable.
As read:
h=11 m=28
